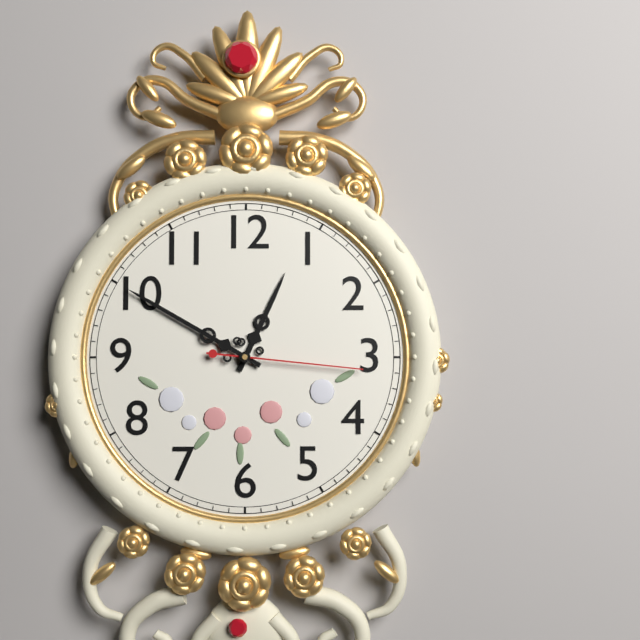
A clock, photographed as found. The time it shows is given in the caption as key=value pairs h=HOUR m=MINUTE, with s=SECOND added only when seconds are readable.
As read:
h=12 m=50 s=16
